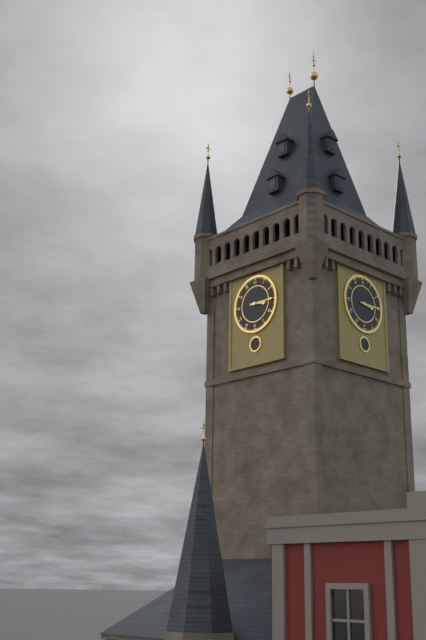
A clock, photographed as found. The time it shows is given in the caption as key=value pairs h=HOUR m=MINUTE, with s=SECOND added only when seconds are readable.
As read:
h=3 m=15
